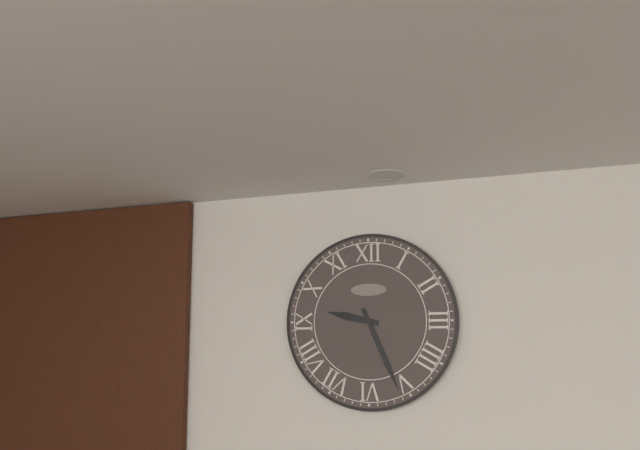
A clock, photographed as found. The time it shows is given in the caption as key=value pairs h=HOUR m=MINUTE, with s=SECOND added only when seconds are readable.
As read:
h=9 m=26
